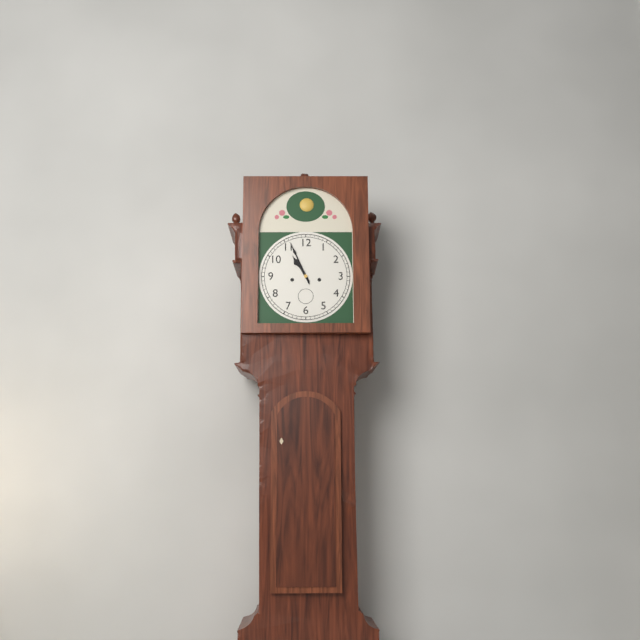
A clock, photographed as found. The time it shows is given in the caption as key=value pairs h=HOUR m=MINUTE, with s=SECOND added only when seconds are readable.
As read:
h=10 m=56
